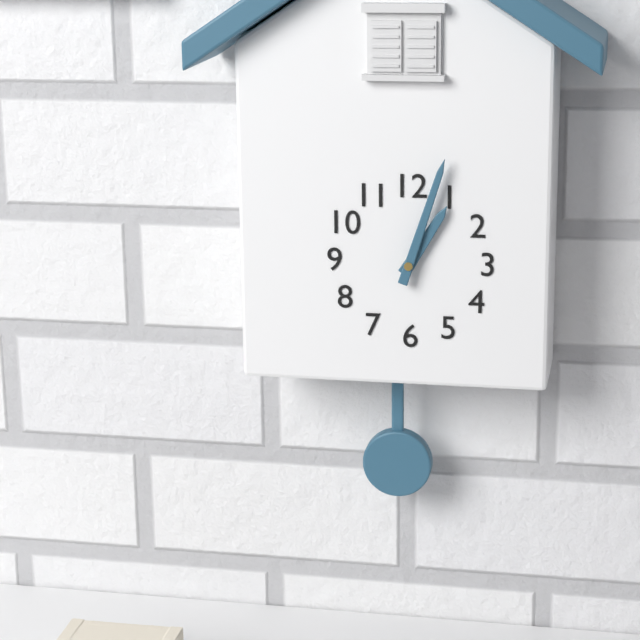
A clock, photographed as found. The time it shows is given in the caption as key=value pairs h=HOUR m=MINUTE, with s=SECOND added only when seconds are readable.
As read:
h=1 m=3
